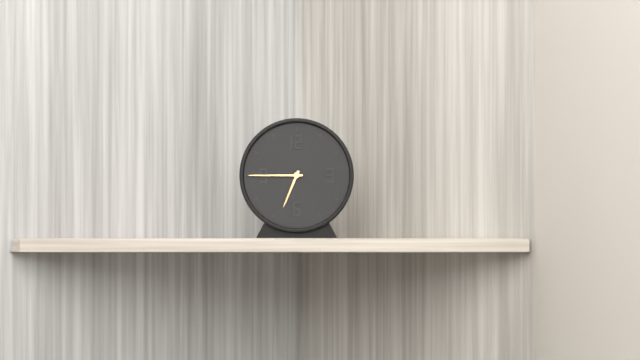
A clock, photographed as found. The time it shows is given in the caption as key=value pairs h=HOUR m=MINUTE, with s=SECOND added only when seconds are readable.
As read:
h=6 m=45
